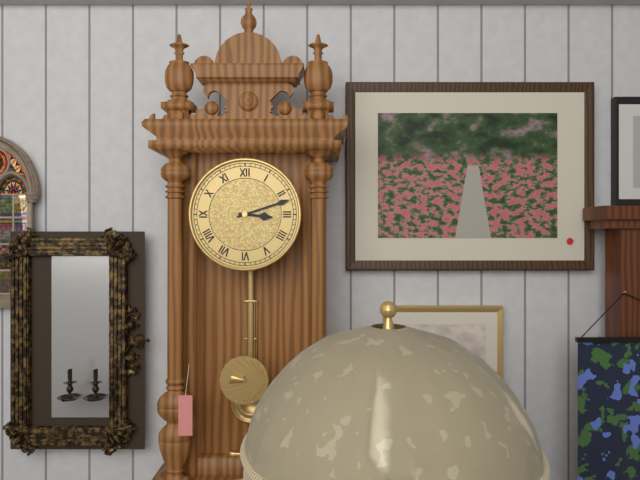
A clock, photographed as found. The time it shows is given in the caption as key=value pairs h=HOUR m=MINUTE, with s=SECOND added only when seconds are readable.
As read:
h=3 m=12
